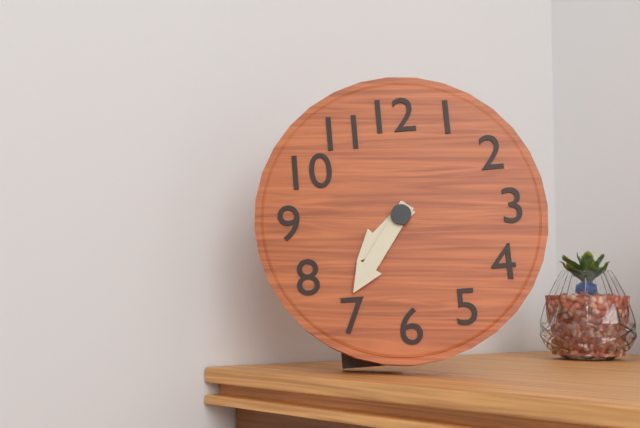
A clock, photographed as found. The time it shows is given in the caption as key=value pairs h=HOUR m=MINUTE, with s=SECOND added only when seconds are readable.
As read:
h=7 m=36
